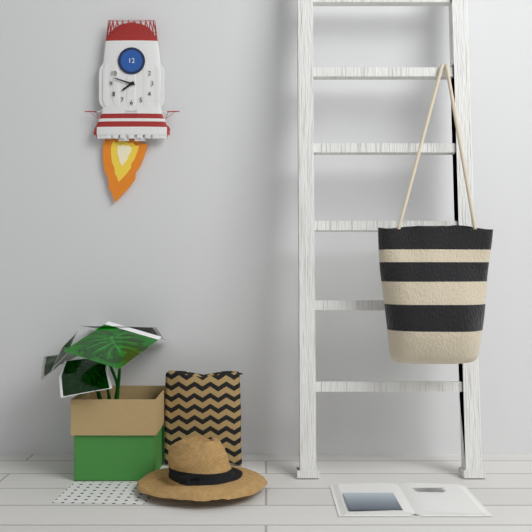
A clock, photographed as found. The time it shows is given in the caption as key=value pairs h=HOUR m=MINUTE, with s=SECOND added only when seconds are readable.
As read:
h=7 m=48
